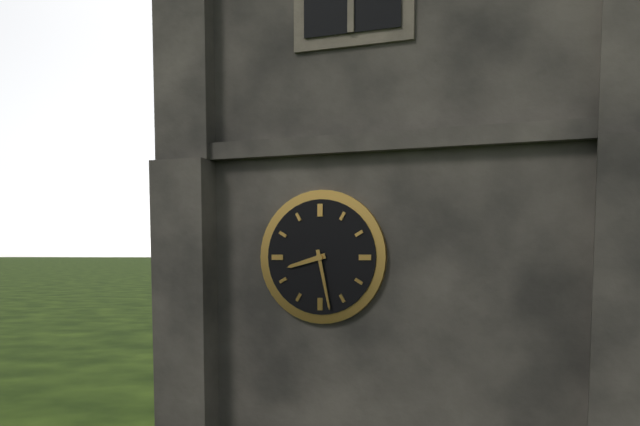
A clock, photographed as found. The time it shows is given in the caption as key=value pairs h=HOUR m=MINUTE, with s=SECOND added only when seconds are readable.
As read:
h=8 m=28
